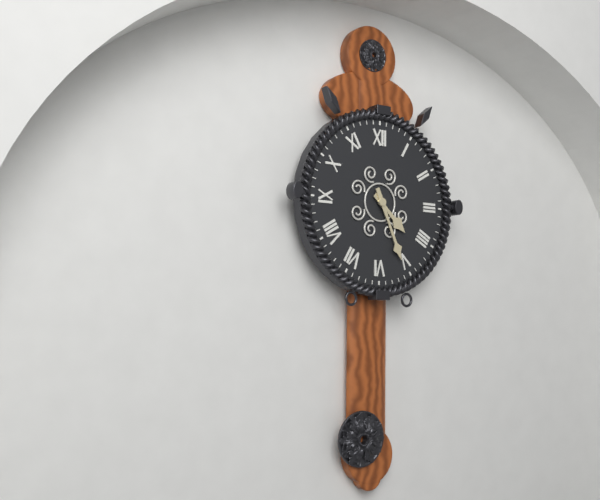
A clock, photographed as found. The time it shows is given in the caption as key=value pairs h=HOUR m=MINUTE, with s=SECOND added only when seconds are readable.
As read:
h=4 m=26
